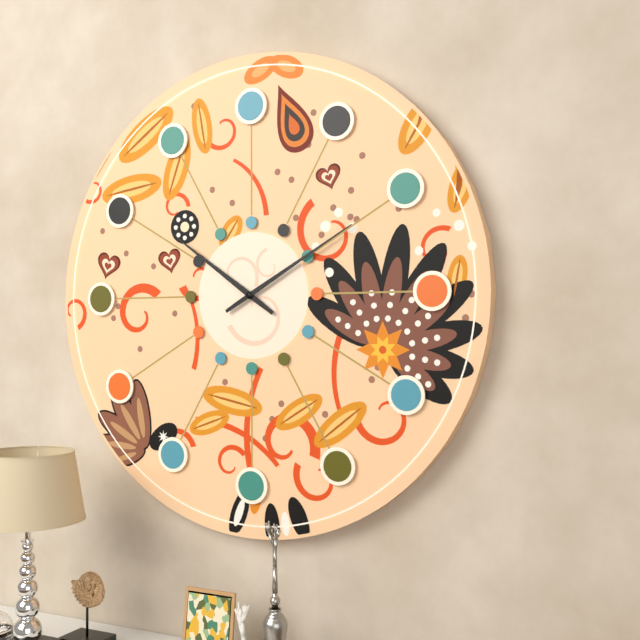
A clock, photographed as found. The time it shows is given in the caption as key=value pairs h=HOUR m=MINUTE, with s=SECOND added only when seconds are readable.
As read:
h=10 m=10
